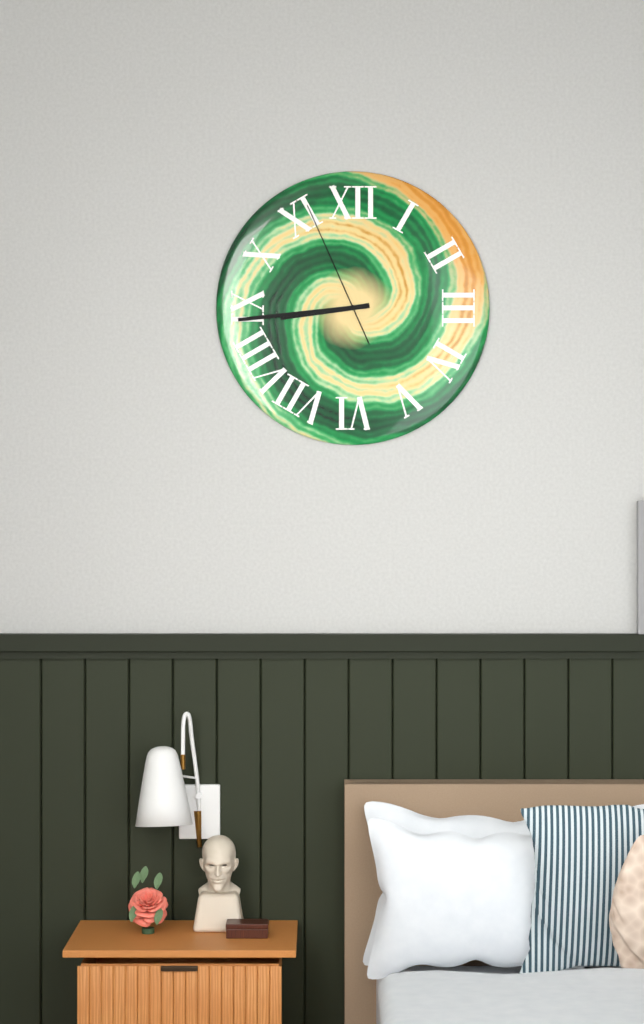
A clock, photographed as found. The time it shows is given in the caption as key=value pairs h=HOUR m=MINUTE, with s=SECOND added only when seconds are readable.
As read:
h=8 m=44 s=56
